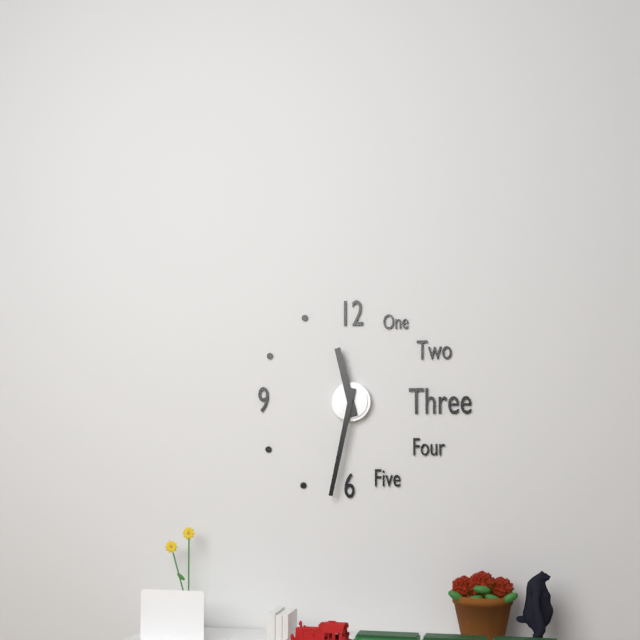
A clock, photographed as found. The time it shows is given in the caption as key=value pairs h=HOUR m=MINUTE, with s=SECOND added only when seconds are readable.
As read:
h=11 m=32
